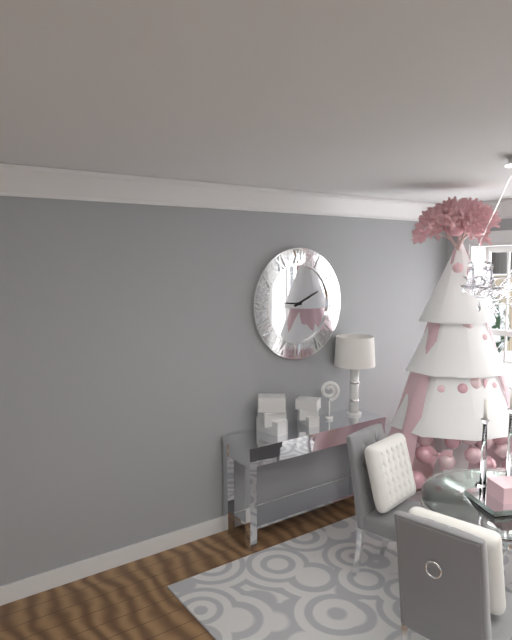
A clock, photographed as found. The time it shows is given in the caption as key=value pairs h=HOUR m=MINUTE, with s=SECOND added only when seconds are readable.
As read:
h=9 m=11
